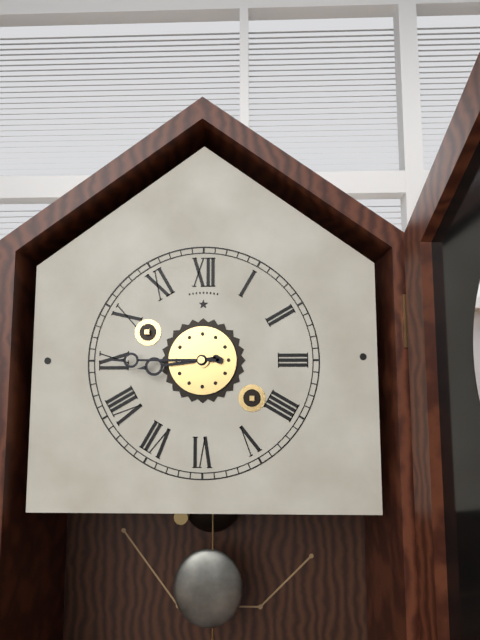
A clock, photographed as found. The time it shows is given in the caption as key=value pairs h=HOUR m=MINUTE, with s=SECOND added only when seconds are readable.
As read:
h=8 m=45
